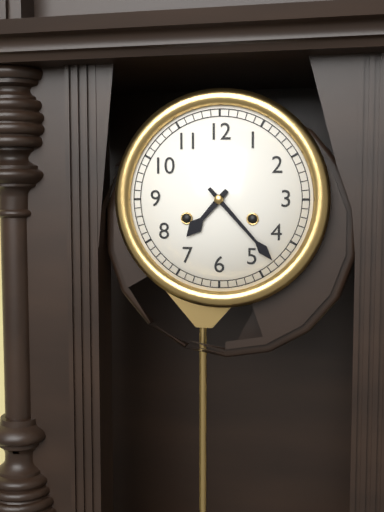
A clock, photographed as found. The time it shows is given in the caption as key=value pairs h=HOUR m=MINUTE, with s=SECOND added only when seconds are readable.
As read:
h=7 m=23
